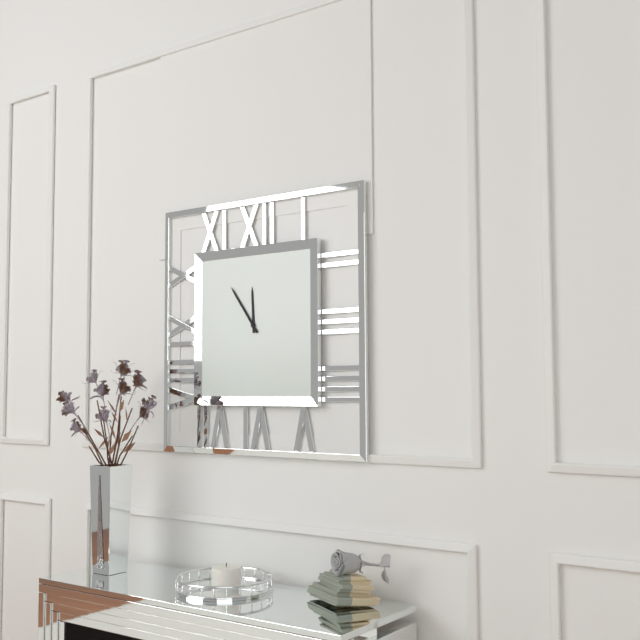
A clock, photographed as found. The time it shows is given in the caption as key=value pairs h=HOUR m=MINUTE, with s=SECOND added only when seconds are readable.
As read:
h=11 m=54
